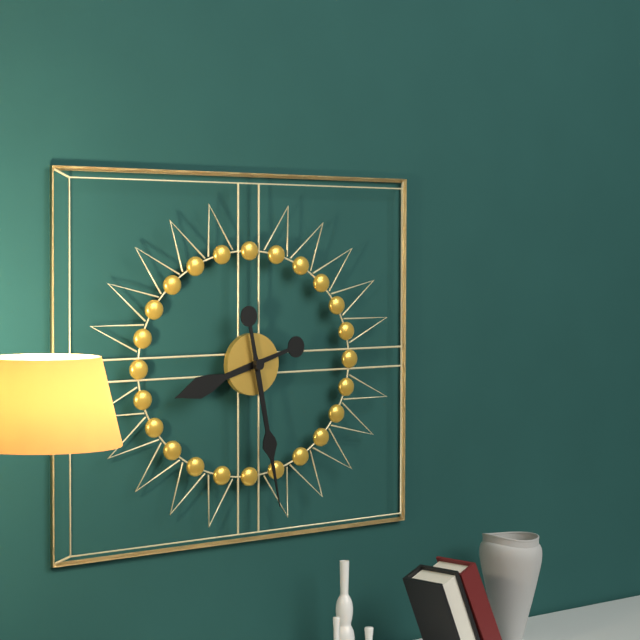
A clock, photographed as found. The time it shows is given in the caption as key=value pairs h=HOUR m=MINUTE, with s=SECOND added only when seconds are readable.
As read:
h=8 m=28
